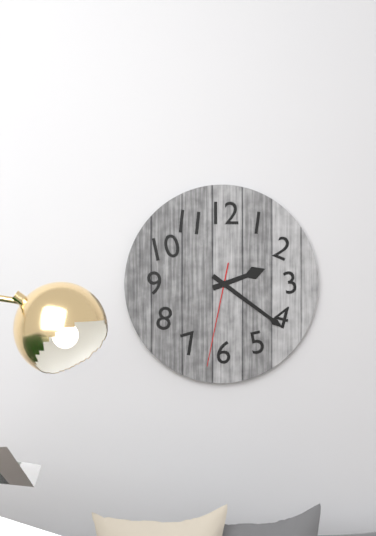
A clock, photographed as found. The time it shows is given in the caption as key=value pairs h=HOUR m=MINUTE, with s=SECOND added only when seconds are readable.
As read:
h=2 m=21 s=32
